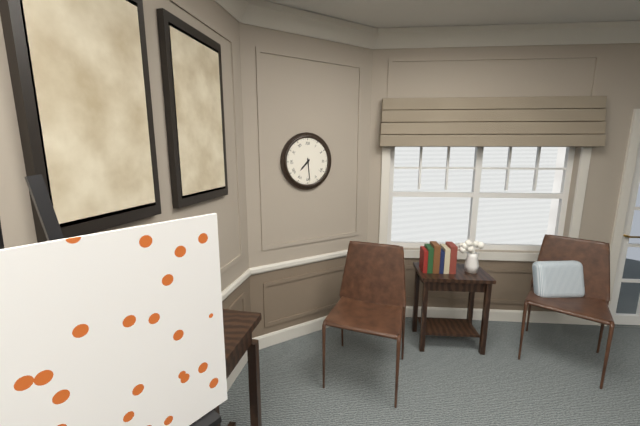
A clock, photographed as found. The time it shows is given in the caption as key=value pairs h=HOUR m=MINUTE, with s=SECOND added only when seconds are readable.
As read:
h=7 m=29
